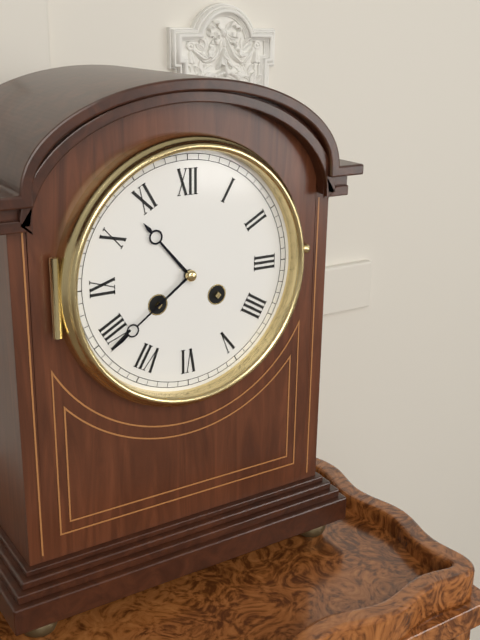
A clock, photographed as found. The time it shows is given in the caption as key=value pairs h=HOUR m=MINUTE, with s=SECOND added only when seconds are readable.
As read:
h=10 m=39
